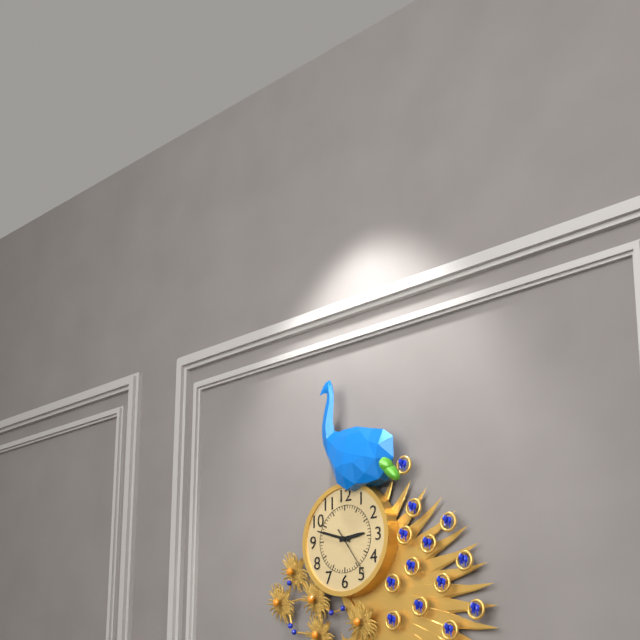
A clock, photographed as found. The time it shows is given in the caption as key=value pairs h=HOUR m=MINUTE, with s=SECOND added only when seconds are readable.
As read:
h=2 m=48 s=24
